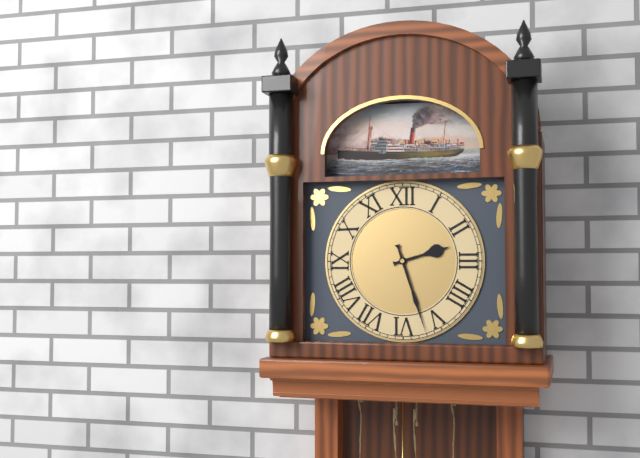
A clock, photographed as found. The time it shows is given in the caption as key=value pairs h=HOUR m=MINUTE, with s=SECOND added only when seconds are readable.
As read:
h=2 m=27
